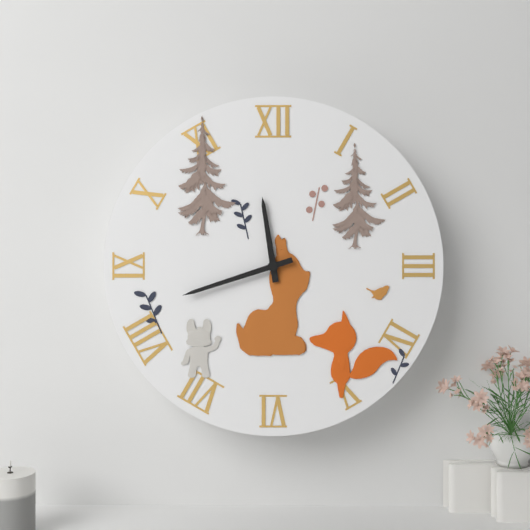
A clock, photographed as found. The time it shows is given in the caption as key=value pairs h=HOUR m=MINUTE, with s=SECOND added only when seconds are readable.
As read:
h=11 m=42
